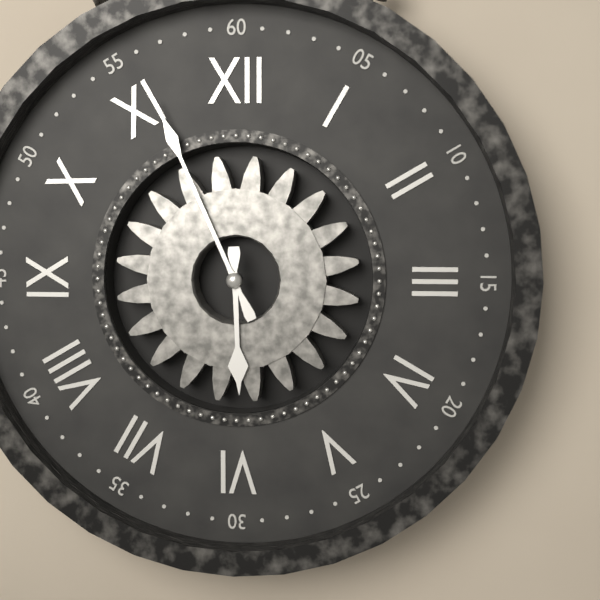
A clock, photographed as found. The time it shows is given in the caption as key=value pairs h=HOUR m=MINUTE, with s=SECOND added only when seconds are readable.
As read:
h=5 m=56
